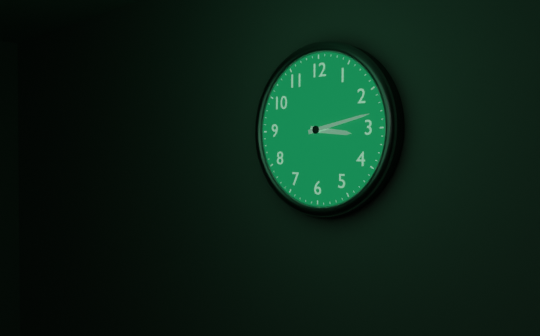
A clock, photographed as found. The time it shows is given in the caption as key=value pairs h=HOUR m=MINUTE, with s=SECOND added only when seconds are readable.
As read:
h=3 m=13
